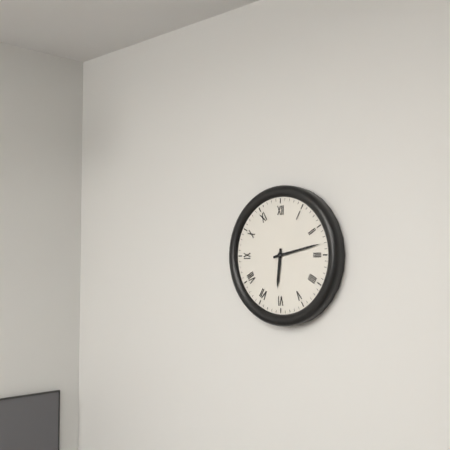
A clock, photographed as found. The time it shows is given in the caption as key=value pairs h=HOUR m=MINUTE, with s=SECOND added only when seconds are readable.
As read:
h=6 m=13
